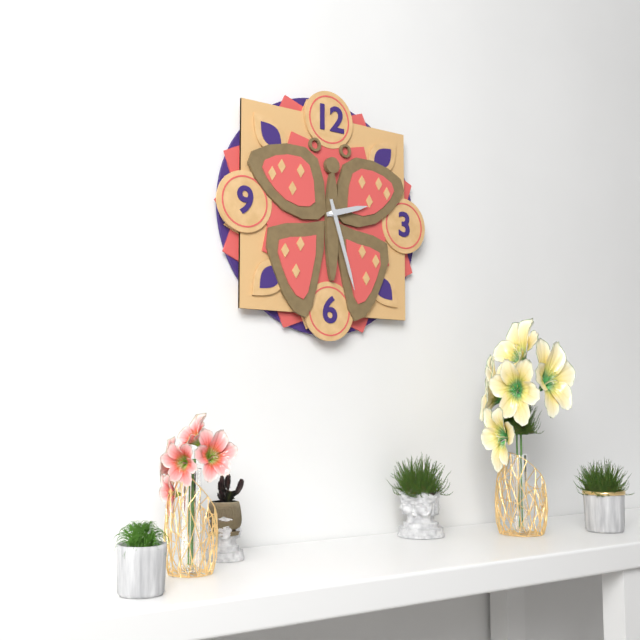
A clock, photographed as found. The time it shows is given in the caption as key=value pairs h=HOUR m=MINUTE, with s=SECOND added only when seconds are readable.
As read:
h=2 m=27
